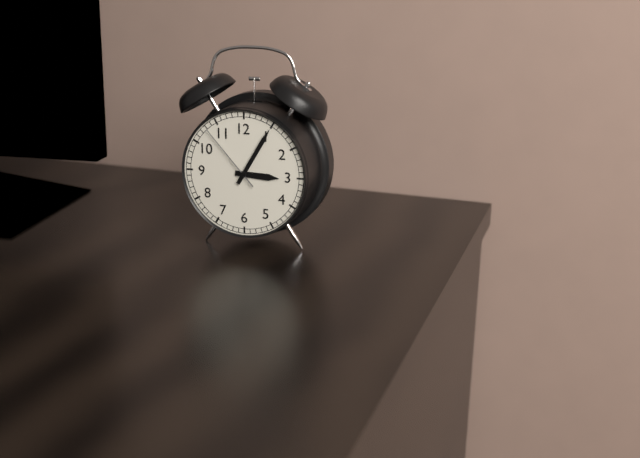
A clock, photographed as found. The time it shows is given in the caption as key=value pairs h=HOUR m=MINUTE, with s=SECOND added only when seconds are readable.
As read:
h=3 m=5 s=53
